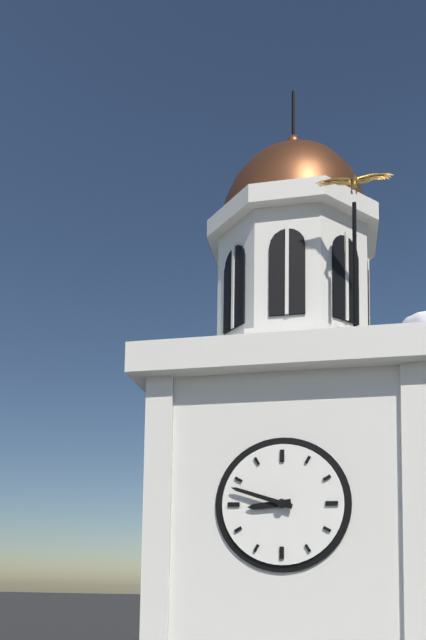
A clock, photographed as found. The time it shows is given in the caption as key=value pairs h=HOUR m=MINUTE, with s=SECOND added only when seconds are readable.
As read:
h=8 m=48
